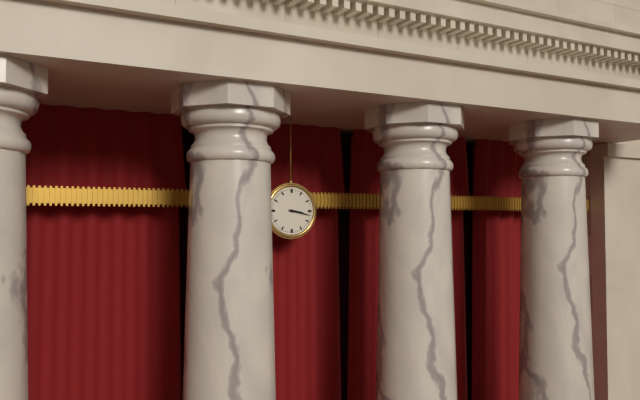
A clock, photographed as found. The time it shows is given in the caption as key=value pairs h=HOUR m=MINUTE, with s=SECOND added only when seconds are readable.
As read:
h=3 m=17
